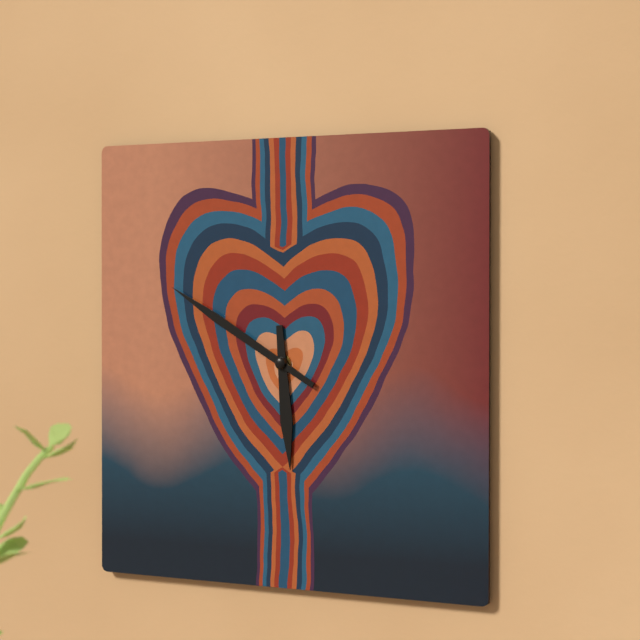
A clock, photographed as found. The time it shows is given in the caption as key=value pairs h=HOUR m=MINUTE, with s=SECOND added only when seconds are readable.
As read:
h=5 m=50
